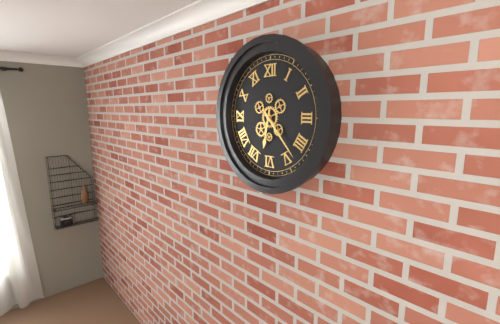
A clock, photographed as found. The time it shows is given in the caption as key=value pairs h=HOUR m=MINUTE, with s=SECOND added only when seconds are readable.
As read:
h=6 m=23
